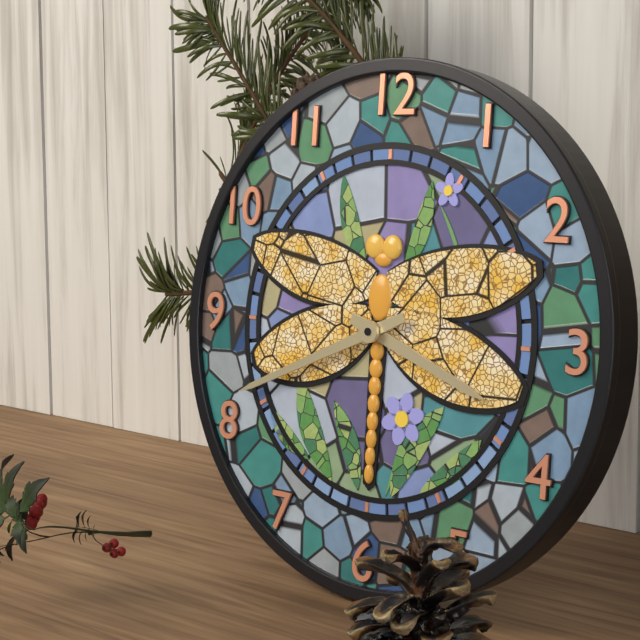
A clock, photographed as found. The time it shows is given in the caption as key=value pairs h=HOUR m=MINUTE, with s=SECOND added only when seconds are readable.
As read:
h=3 m=41
